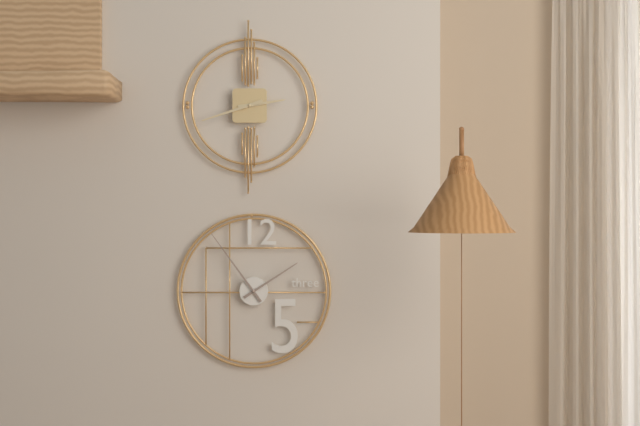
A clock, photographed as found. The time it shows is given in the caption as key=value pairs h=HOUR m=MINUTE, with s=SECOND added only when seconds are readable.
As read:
h=2 m=42
